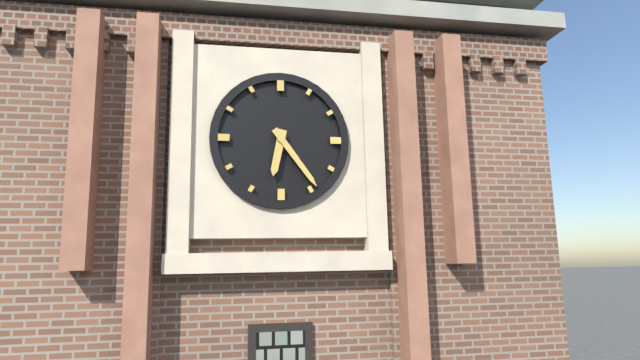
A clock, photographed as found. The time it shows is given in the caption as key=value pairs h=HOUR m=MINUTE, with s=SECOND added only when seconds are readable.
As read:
h=6 m=24
